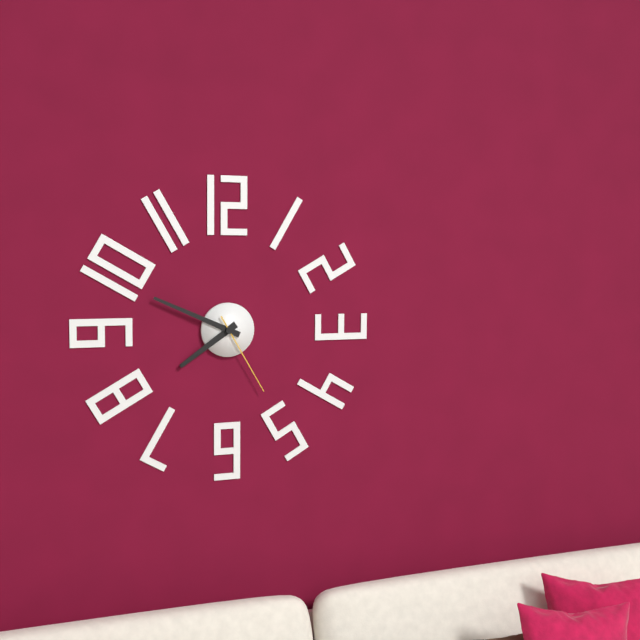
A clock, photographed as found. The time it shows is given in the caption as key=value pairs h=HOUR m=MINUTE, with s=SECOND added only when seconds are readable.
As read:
h=7 m=49 s=25
